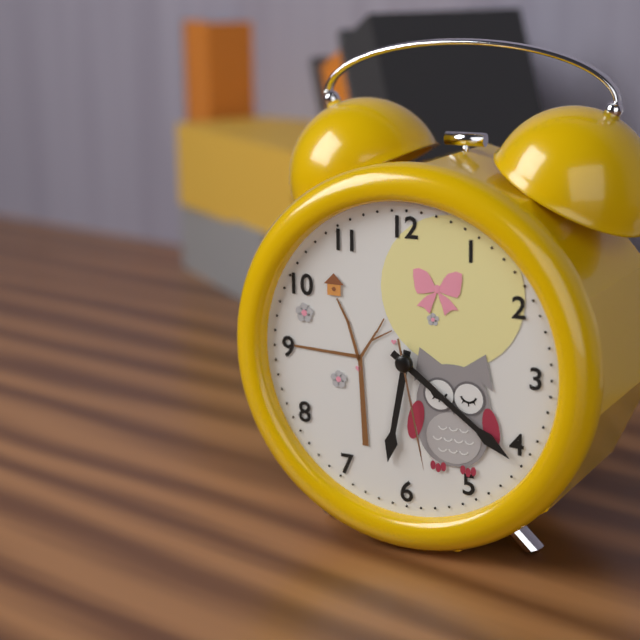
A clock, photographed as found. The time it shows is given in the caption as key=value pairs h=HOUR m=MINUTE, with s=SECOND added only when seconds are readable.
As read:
h=6 m=21 s=28
